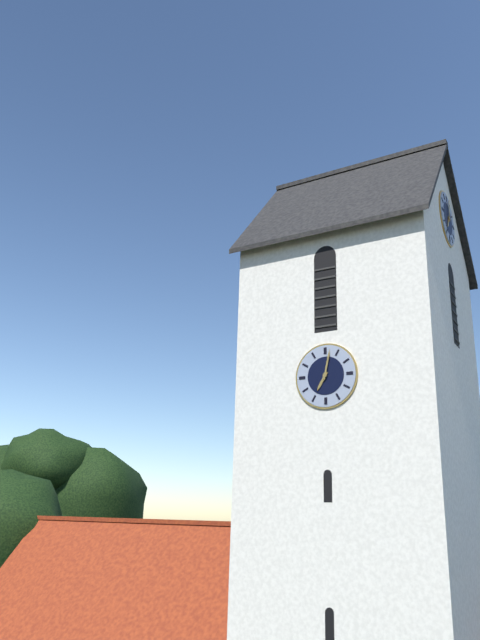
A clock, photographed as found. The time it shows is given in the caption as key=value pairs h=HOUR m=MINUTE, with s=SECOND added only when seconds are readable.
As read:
h=7 m=2
